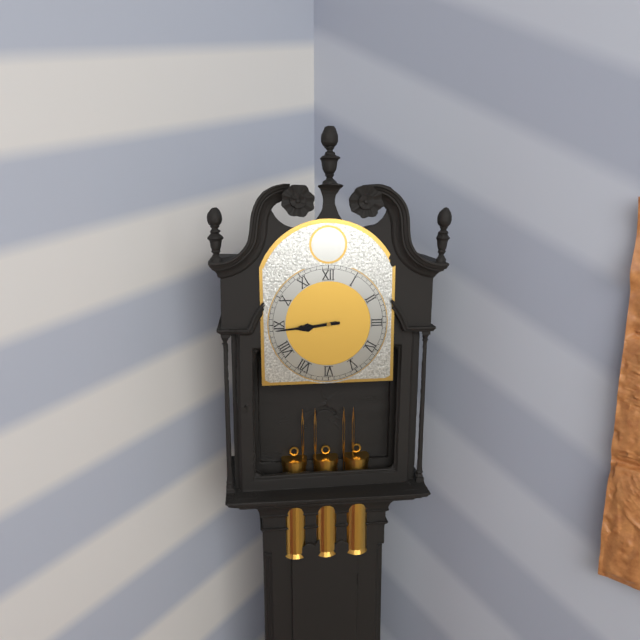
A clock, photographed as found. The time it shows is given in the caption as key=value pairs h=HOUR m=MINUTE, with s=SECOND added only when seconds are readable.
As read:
h=8 m=44
